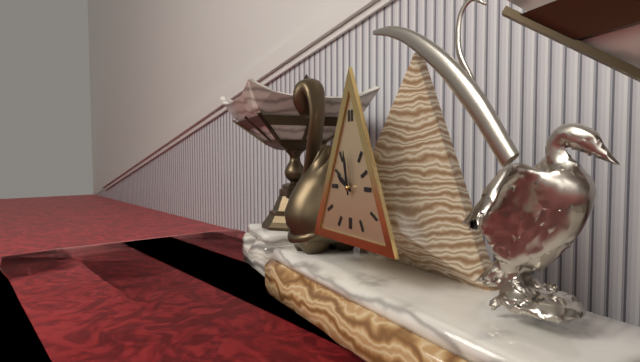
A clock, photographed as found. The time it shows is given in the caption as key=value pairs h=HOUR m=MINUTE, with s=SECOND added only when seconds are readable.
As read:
h=9 m=58
